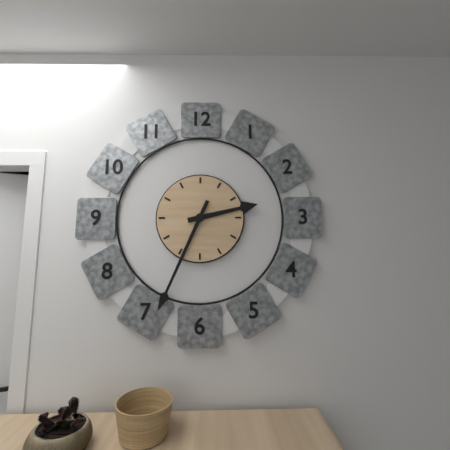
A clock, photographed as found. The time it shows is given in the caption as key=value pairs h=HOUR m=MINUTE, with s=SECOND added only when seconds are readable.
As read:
h=2 m=34
